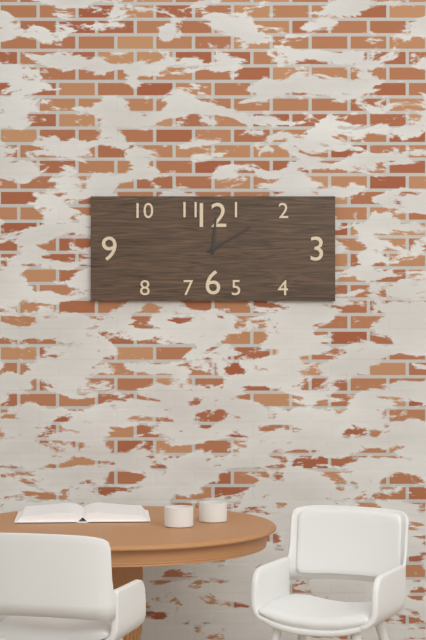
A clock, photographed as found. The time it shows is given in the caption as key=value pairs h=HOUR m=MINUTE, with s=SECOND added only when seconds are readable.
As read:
h=12 m=10
